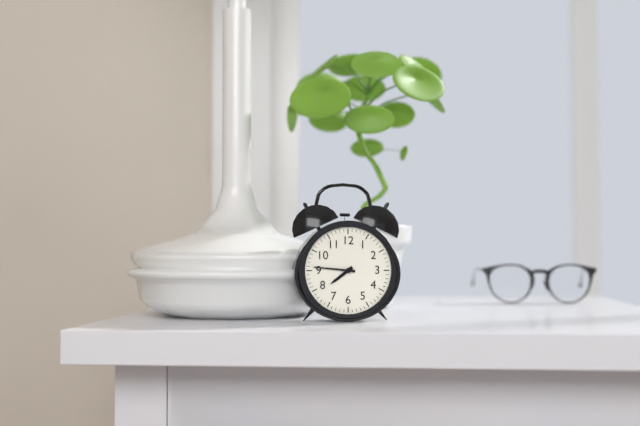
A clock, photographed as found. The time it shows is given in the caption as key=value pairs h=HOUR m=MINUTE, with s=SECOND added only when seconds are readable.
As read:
h=7 m=46
